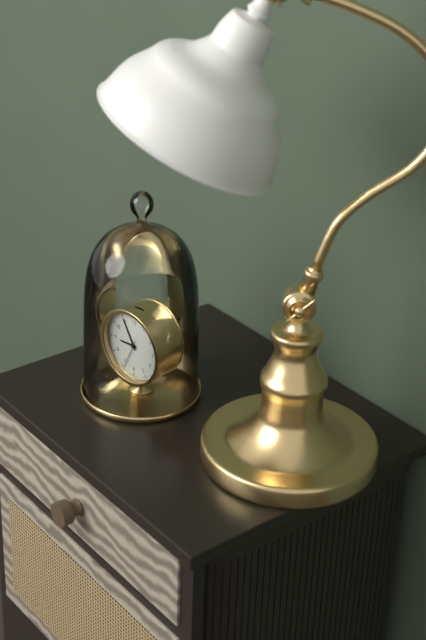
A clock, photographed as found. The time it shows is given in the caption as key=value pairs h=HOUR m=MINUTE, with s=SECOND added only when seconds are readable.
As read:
h=8 m=55
